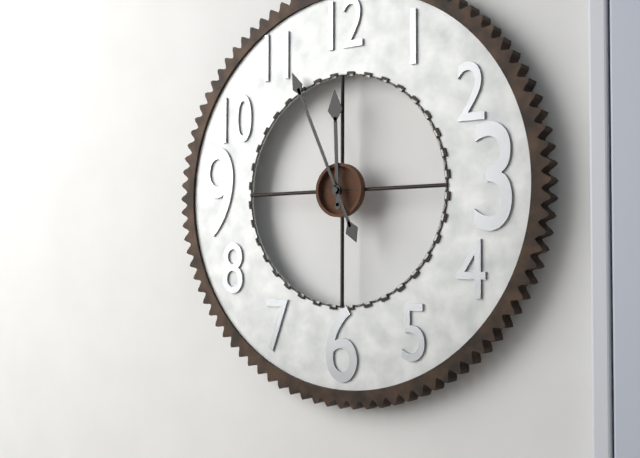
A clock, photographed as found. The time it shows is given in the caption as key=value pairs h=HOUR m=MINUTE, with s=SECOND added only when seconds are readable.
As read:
h=11 m=56
